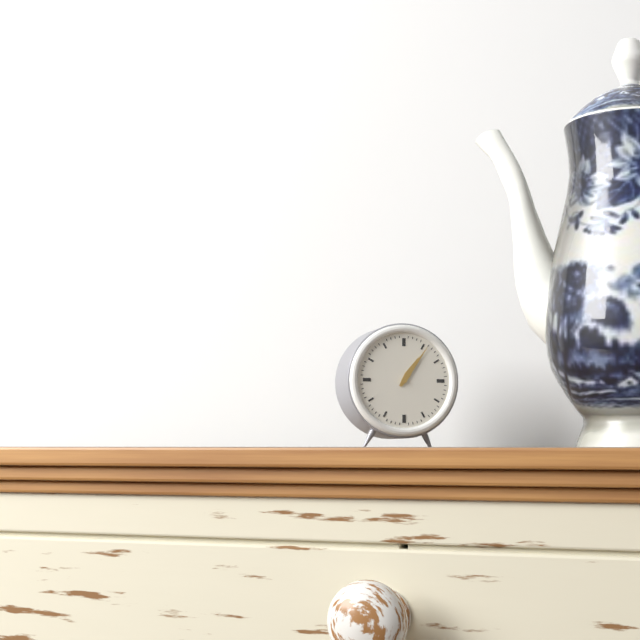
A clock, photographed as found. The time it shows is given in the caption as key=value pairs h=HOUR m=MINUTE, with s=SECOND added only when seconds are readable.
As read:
h=1 m=6
